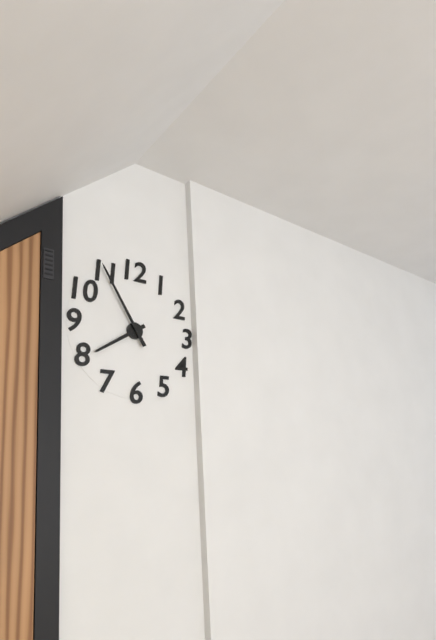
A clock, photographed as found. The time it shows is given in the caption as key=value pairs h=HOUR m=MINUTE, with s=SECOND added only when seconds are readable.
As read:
h=7 m=55
